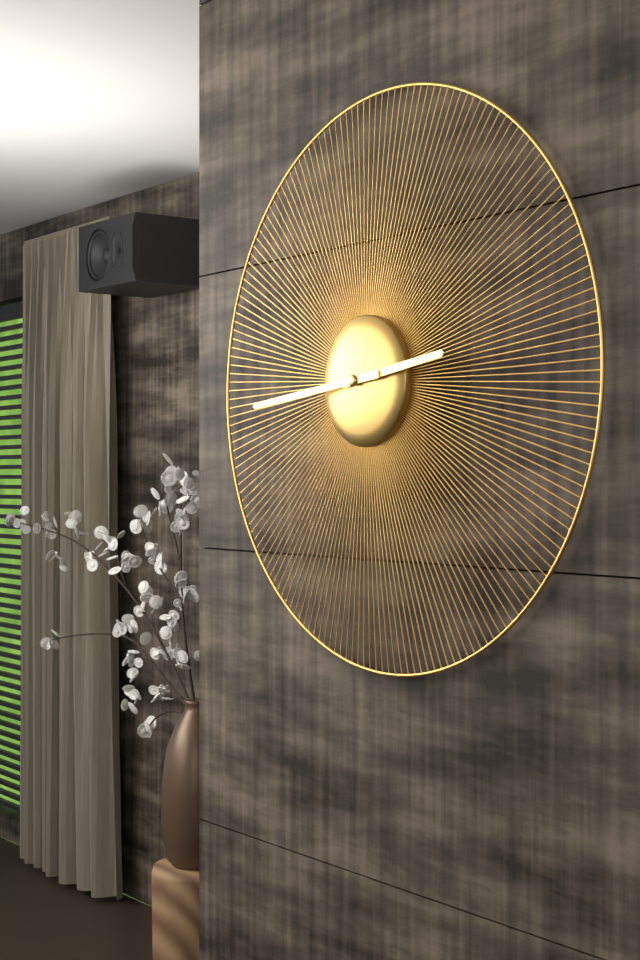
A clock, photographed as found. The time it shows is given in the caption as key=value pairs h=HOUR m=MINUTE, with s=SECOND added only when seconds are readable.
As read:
h=2 m=44
